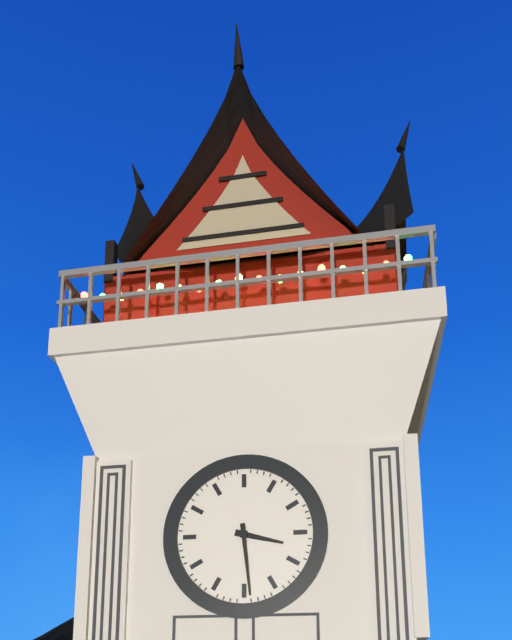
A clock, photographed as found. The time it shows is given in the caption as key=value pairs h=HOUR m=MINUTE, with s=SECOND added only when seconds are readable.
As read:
h=3 m=29
